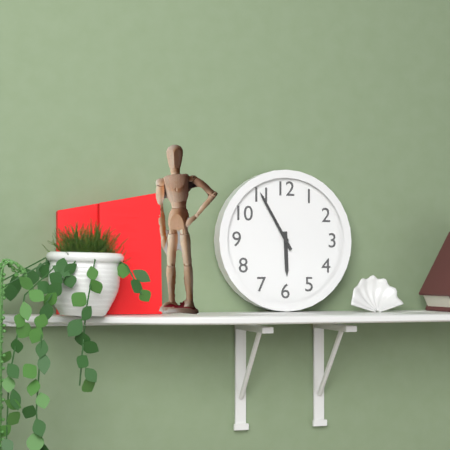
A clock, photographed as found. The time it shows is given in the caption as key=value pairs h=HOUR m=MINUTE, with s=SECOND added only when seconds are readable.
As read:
h=5 m=55
